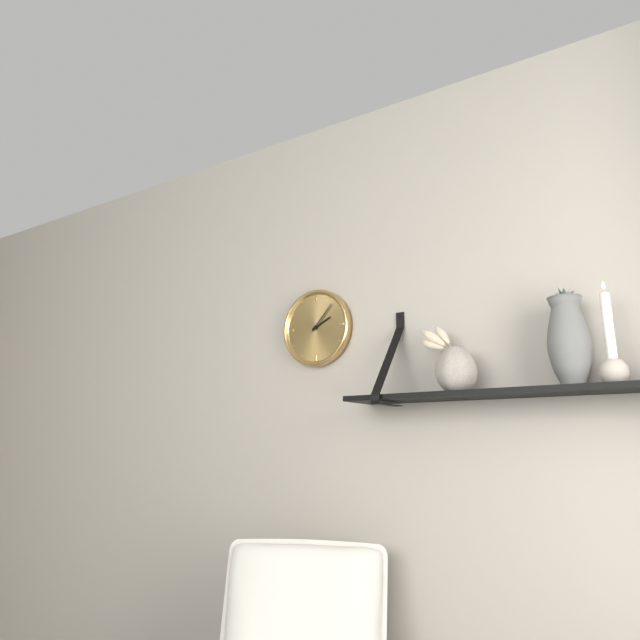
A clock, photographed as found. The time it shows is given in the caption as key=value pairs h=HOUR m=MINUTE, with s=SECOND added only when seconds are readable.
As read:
h=2 m=7
